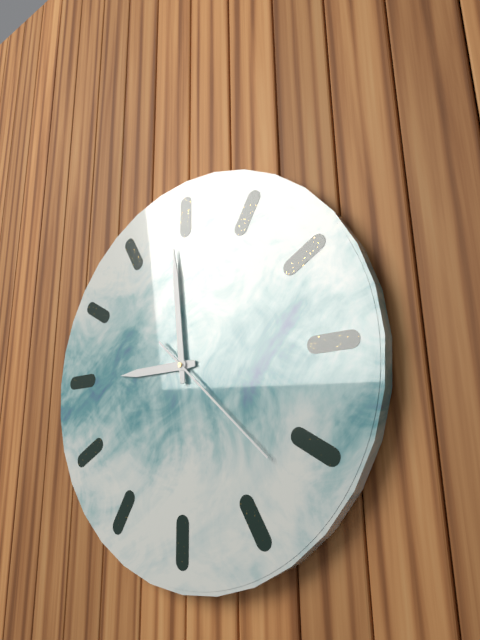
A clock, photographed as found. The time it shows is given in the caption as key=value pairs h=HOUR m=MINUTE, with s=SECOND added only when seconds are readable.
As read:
h=8 m=59 s=22
